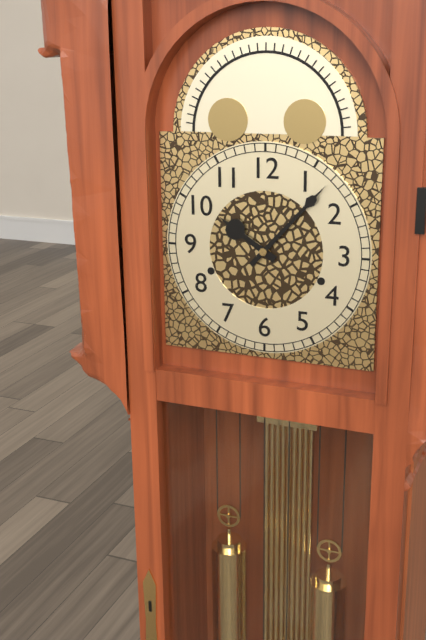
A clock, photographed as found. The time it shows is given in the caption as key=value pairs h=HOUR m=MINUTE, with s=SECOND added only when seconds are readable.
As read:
h=10 m=7
